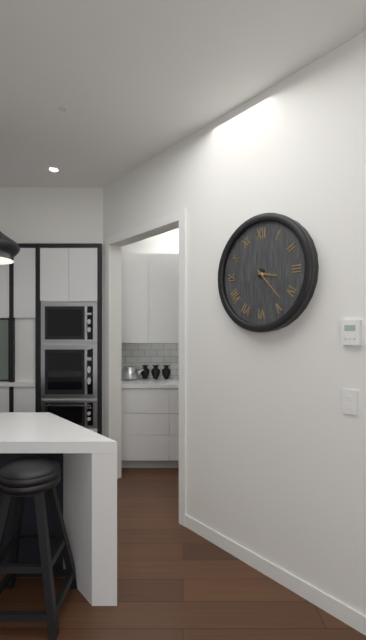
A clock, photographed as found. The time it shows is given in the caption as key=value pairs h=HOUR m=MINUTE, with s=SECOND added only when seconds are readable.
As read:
h=3 m=23
